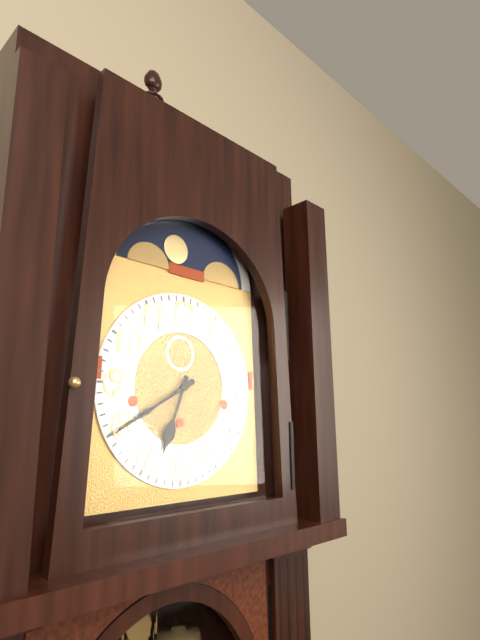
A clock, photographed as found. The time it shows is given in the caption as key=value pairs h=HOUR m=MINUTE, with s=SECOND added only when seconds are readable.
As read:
h=6 m=40
